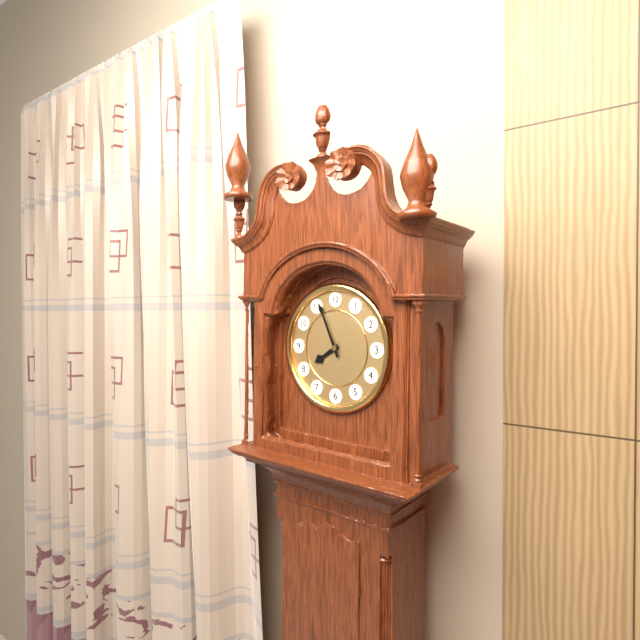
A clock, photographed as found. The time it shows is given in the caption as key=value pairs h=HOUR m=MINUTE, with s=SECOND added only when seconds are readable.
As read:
h=7 m=56
